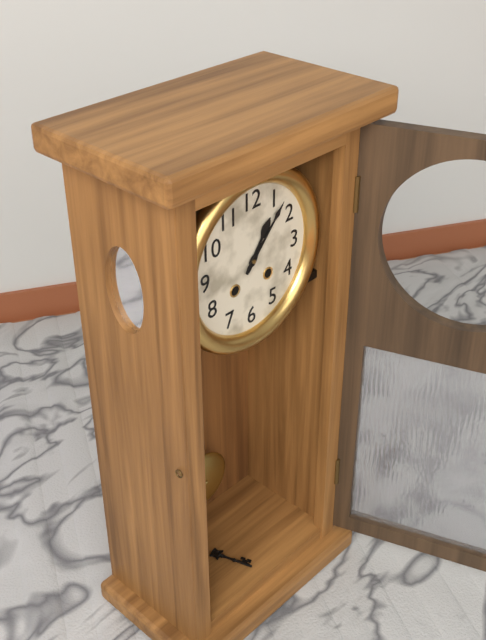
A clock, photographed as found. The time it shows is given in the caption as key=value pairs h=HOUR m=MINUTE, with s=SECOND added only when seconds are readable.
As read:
h=1 m=7
